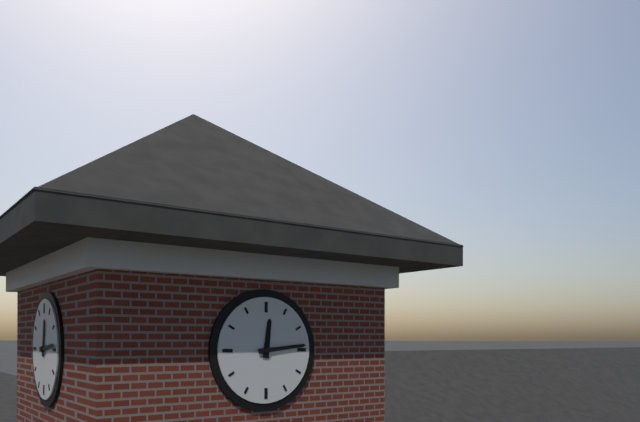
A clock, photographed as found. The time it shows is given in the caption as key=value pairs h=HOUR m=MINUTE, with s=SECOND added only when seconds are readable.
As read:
h=12 m=14
